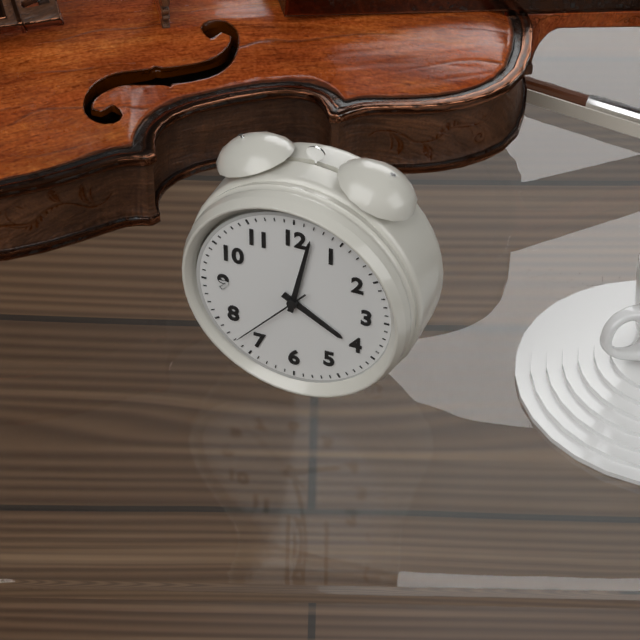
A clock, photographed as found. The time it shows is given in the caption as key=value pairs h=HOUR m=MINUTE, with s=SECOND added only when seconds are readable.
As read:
h=4 m=2 s=37
